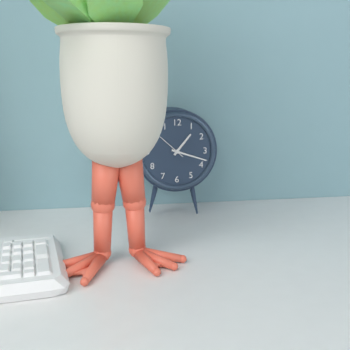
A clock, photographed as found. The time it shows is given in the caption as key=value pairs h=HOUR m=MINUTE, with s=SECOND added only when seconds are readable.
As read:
h=1 m=18
